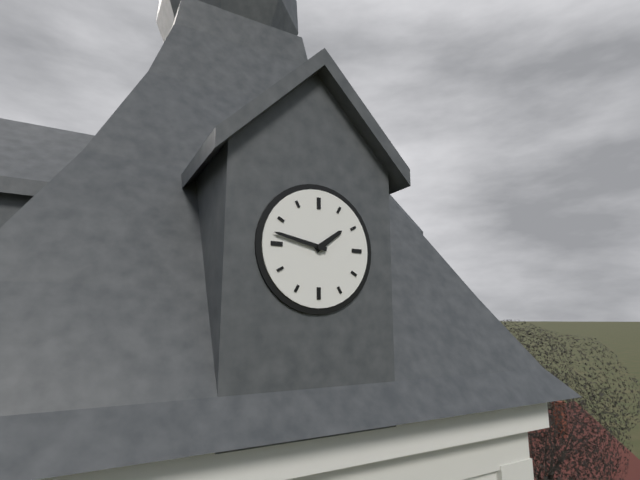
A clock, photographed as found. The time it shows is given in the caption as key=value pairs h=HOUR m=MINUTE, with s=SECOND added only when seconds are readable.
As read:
h=1 m=47
